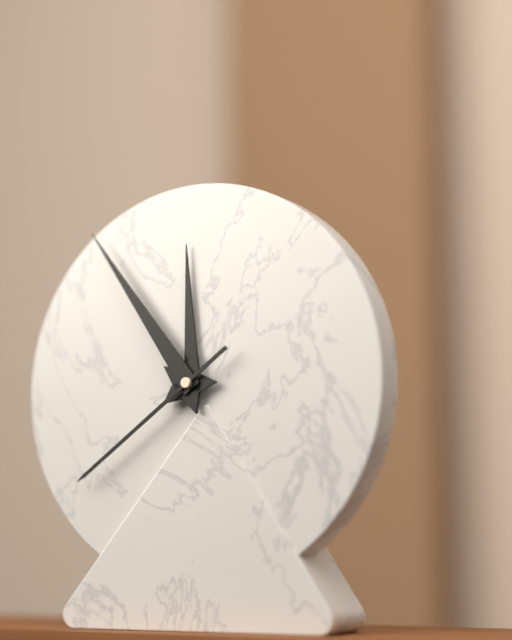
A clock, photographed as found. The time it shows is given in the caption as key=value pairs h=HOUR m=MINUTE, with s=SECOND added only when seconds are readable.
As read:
h=11 m=54 s=39
